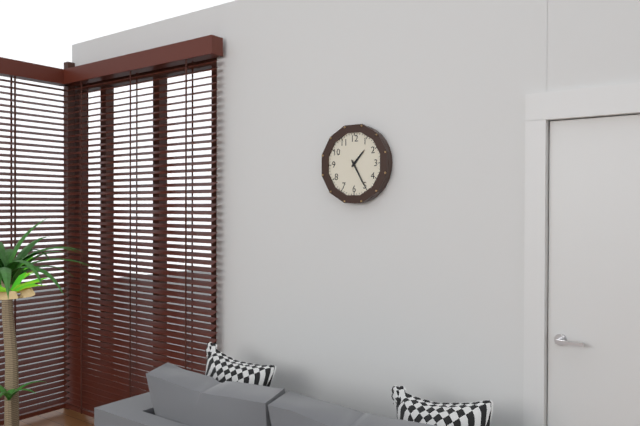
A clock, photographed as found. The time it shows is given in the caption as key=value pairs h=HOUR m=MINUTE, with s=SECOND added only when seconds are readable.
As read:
h=1 m=25
